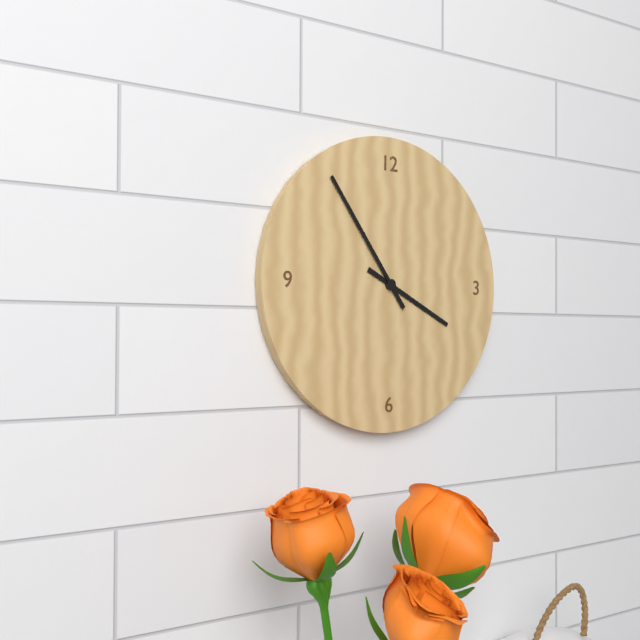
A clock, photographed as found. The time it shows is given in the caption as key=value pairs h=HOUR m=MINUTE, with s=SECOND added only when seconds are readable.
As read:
h=3 m=54
